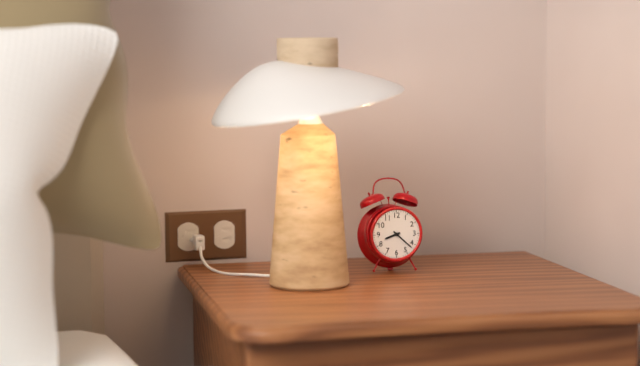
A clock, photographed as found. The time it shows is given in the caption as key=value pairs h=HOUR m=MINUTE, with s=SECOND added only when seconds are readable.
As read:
h=8 m=22
